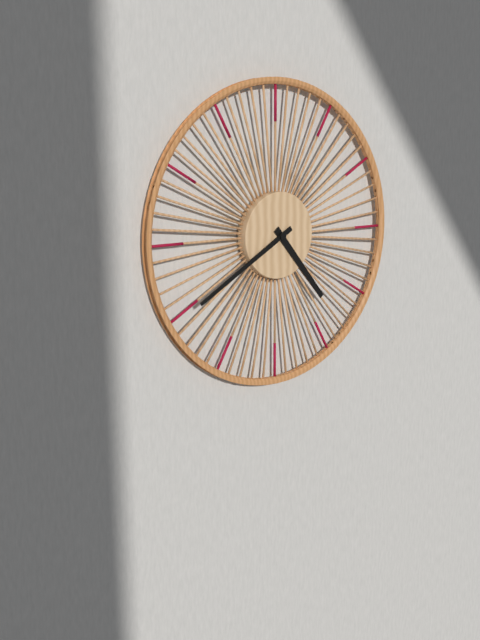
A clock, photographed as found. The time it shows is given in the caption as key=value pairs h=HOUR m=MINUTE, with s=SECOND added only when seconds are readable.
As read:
h=4 m=40
